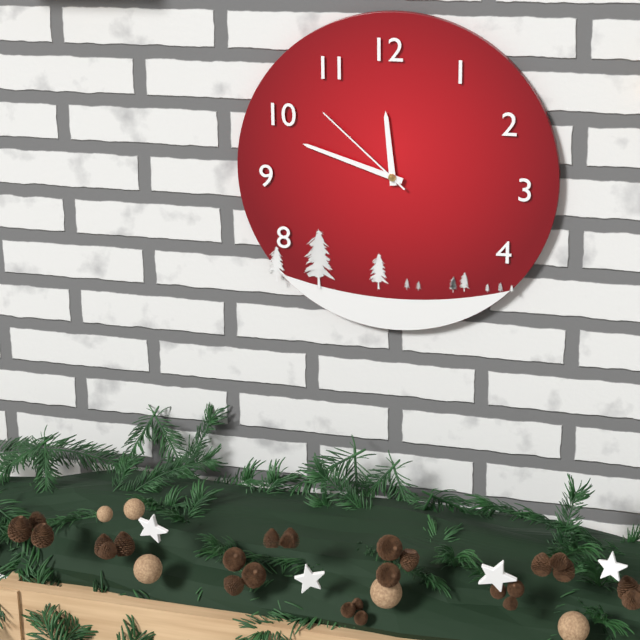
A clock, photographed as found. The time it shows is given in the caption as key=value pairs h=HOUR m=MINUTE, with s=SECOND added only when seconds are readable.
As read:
h=11 m=48 s=52
